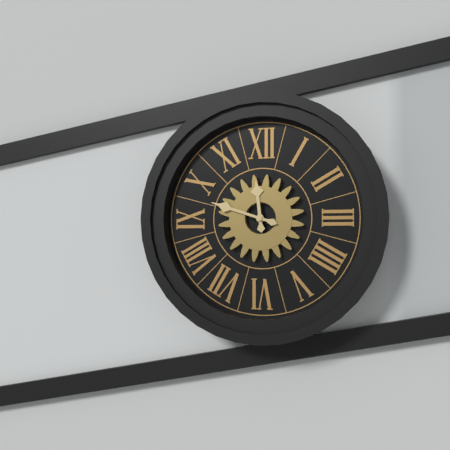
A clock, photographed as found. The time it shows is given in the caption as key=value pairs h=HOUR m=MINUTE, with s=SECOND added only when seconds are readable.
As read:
h=11 m=48
